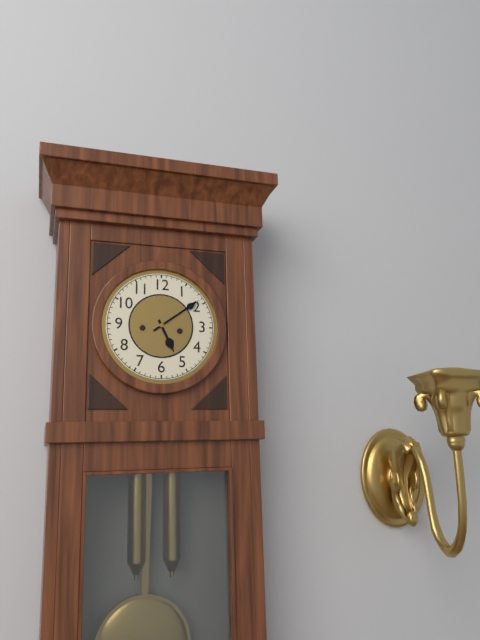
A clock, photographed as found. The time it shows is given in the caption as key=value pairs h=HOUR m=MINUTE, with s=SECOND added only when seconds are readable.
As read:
h=5 m=9
